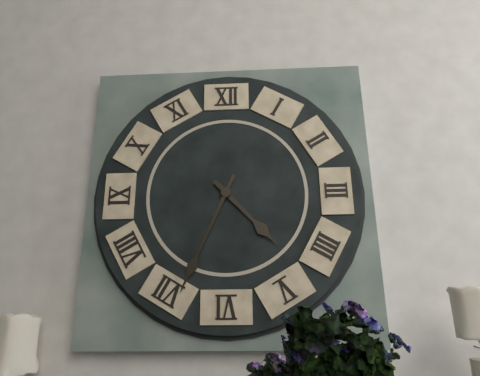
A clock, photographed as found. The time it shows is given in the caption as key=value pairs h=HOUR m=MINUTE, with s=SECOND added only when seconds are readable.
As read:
h=4 m=34
